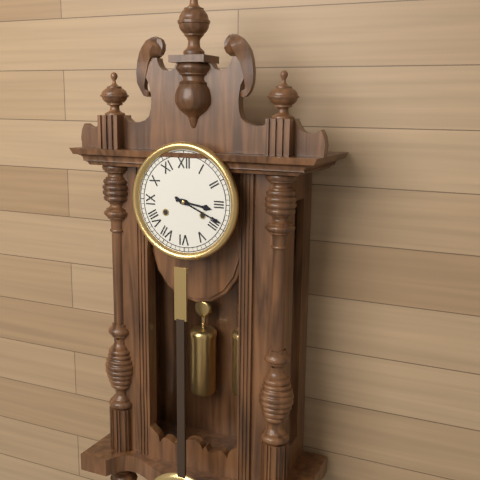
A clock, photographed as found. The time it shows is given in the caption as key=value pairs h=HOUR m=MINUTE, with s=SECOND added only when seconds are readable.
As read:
h=3 m=19
